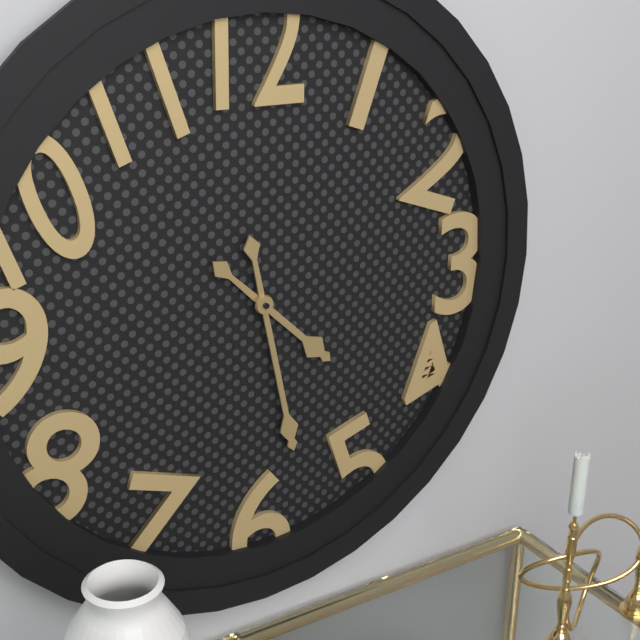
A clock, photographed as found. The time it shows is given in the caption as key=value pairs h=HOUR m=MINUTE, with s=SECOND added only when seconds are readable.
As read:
h=4 m=28
